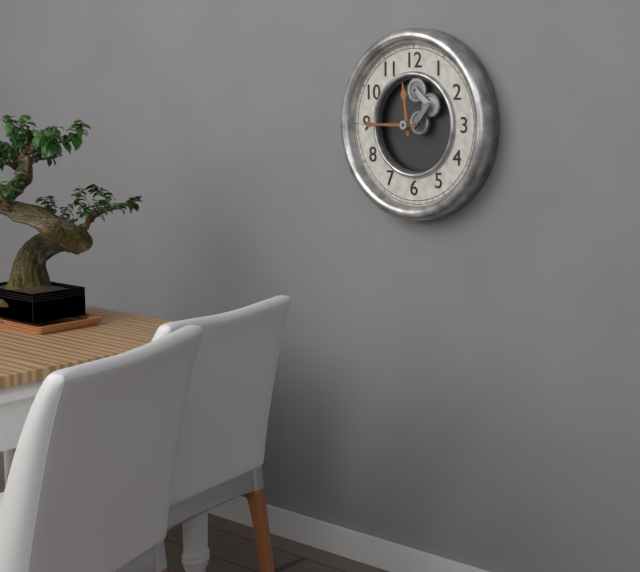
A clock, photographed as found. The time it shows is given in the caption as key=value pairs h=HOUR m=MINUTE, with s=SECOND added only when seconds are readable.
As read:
h=11 m=45
